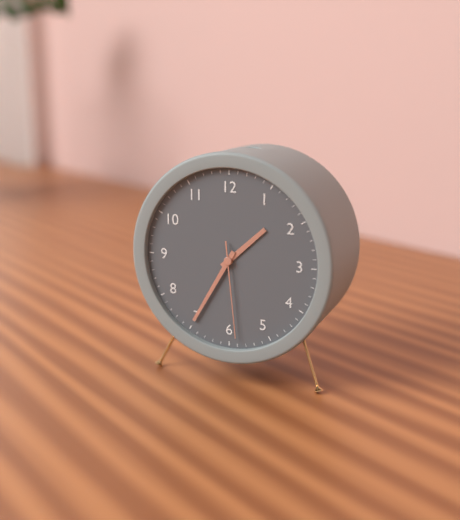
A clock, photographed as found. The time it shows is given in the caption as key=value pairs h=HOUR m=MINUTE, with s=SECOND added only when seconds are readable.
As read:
h=1 m=35 s=29
